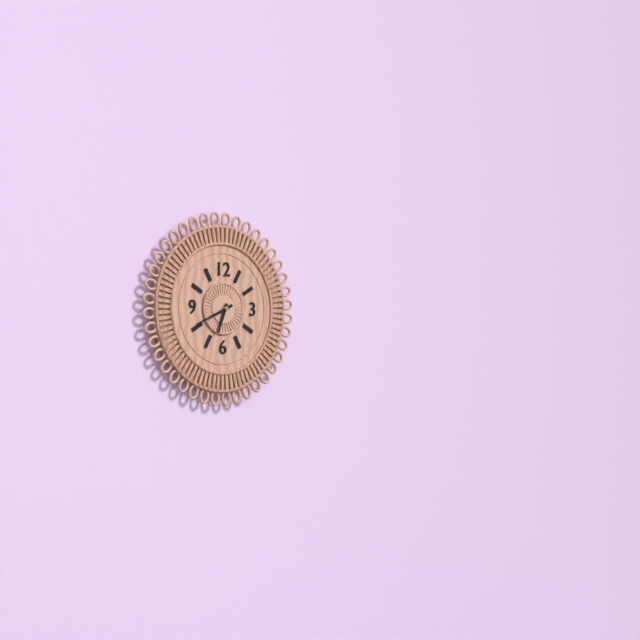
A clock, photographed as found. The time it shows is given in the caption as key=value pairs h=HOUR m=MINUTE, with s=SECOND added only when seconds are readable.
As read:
h=6 m=41
